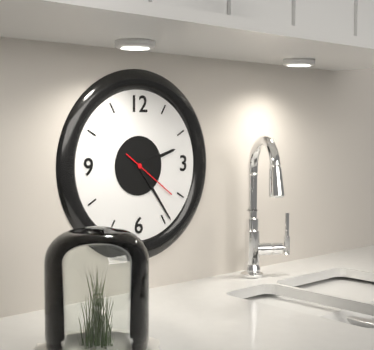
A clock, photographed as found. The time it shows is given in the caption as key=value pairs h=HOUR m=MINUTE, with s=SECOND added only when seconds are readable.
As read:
h=2 m=24 s=21
